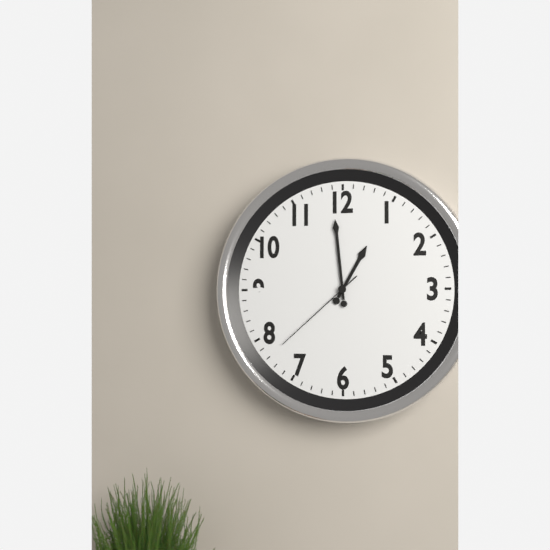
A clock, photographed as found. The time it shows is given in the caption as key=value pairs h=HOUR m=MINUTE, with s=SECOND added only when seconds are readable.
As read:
h=12 m=59 s=38
